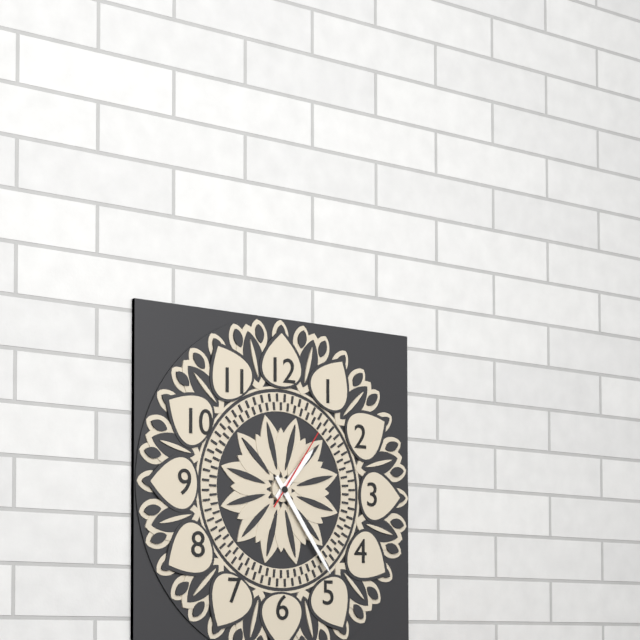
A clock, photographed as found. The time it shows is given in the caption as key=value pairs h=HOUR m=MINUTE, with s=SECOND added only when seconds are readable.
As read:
h=1 m=24 s=6
